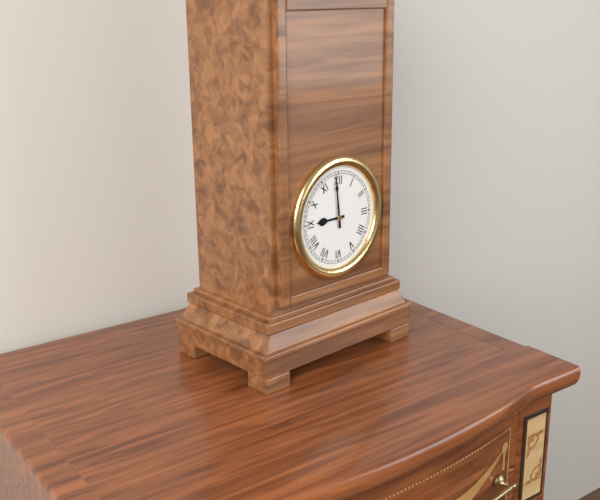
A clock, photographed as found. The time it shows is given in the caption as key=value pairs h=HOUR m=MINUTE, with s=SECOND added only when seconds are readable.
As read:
h=8 m=59
